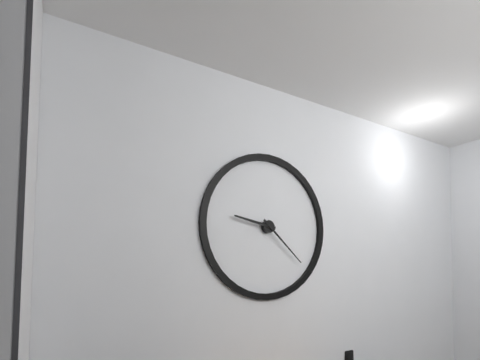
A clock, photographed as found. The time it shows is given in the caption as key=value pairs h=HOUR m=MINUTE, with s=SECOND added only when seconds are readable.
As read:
h=9 m=22
